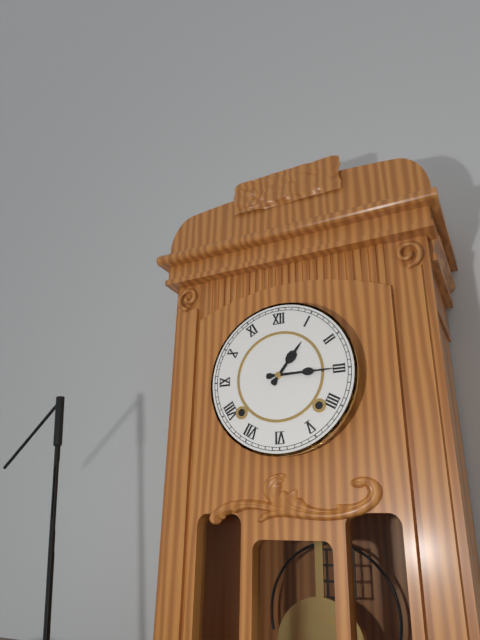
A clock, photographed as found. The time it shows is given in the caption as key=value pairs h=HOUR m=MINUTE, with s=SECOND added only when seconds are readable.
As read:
h=1 m=15
